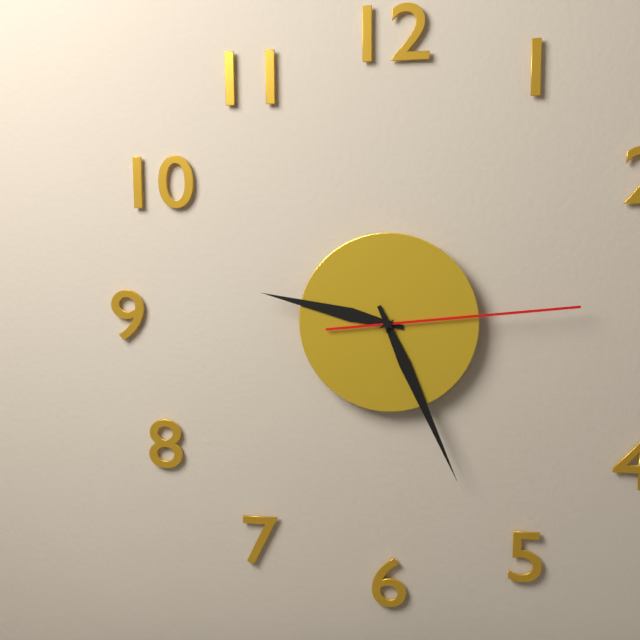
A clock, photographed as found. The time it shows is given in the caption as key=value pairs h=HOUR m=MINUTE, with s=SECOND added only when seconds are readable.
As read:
h=9 m=26 s=14
